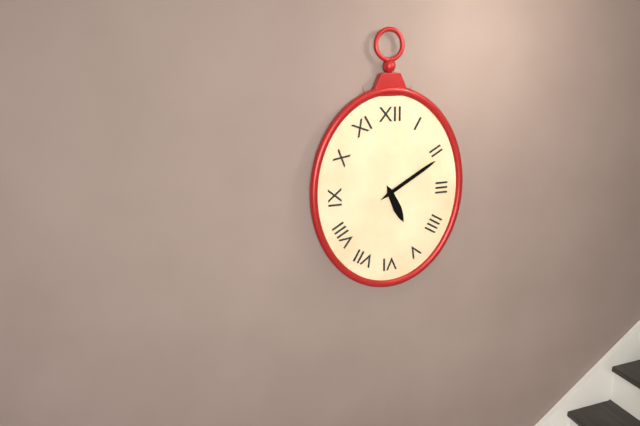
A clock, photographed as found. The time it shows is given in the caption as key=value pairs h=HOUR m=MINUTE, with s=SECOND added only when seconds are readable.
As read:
h=5 m=10
